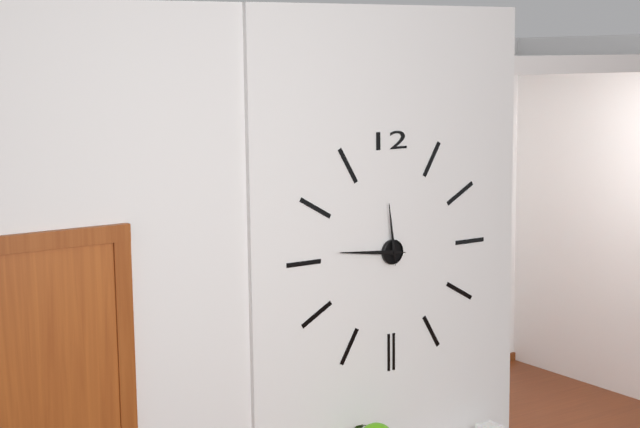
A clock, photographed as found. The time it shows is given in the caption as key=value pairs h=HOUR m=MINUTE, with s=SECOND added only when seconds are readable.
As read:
h=11 m=46
